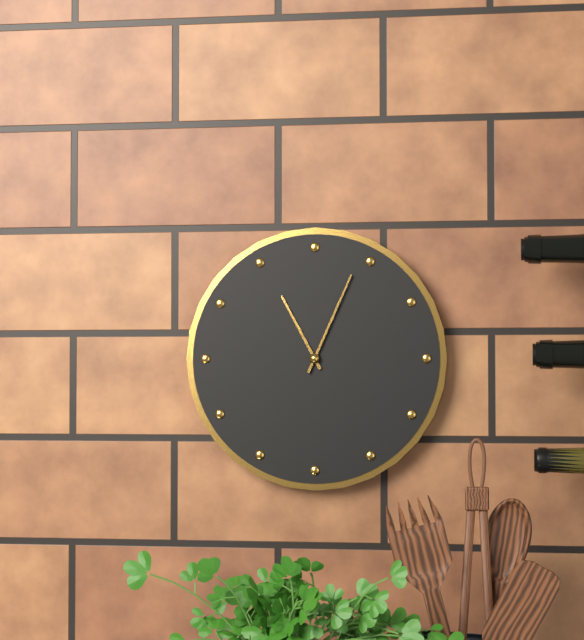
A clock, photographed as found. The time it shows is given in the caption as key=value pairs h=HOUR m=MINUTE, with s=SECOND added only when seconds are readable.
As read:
h=11 m=4
